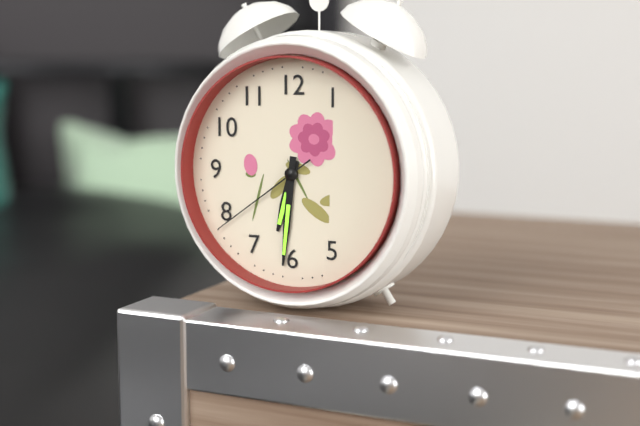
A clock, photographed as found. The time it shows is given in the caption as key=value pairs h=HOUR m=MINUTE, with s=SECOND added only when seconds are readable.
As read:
h=6 m=31 s=39
